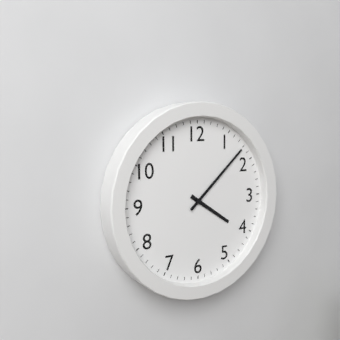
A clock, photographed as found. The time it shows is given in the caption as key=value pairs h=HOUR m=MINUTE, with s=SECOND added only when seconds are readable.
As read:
h=4 m=8
